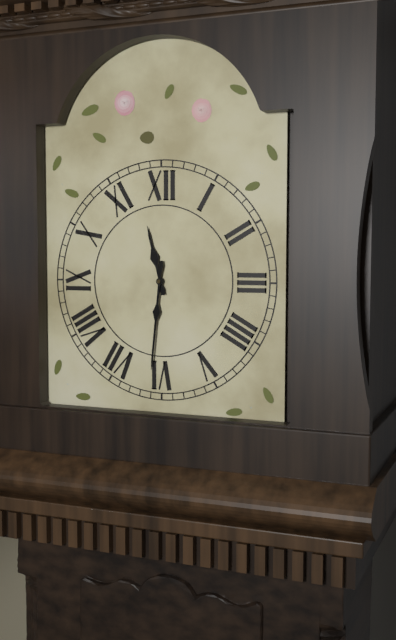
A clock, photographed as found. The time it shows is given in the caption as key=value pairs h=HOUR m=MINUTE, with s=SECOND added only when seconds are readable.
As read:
h=11 m=31
